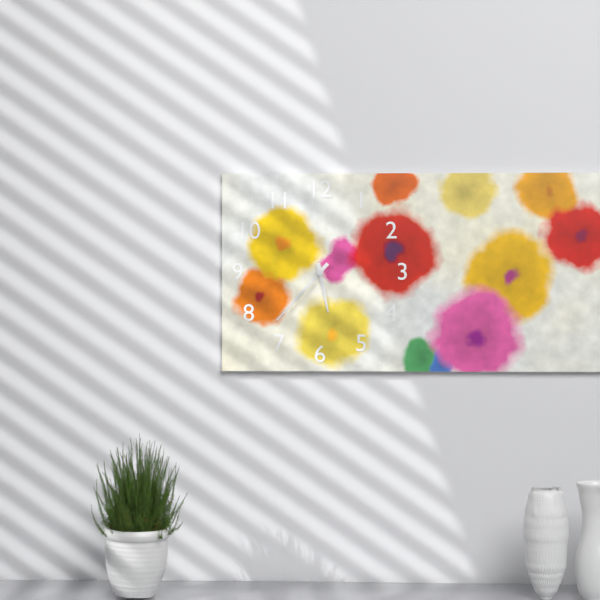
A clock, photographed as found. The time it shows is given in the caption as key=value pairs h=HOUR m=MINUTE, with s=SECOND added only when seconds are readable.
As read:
h=5 m=37
